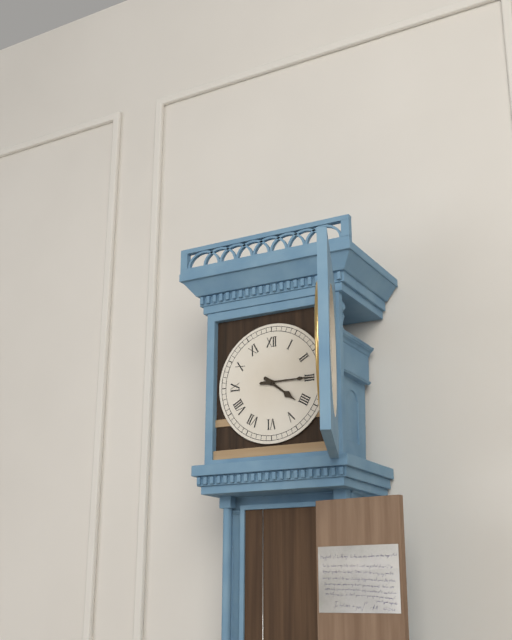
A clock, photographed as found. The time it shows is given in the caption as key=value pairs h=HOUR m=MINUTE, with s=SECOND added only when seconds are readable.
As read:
h=4 m=15
